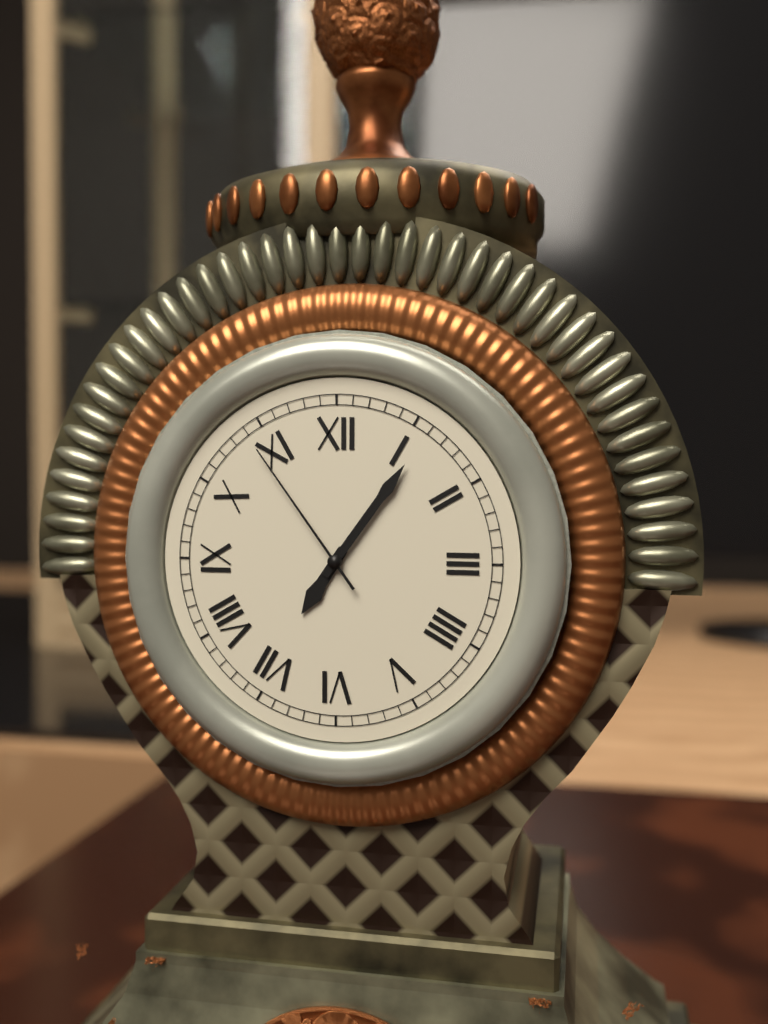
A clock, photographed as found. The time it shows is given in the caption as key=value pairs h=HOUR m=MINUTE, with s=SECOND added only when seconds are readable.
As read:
h=7 m=6 s=54
